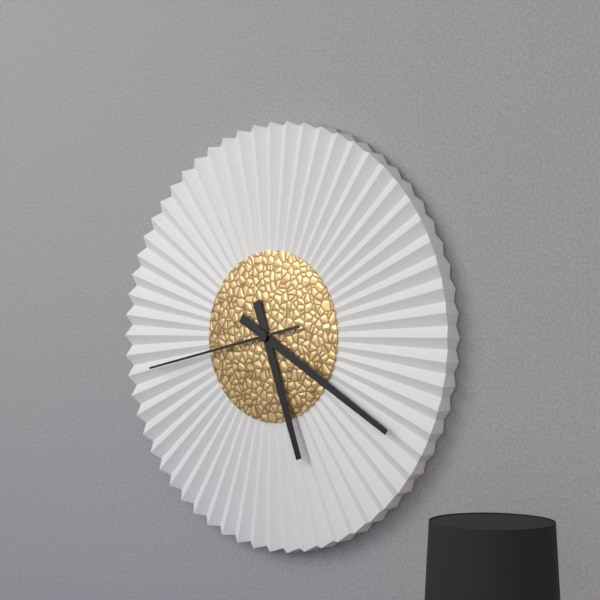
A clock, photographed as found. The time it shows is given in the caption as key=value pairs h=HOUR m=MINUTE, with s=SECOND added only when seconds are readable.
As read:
h=5 m=20 s=43
